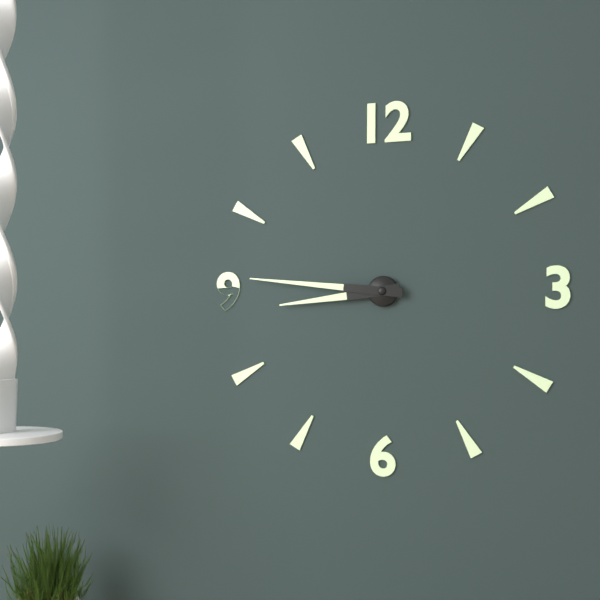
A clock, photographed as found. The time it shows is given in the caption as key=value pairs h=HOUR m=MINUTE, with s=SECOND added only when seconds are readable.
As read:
h=8 m=46
